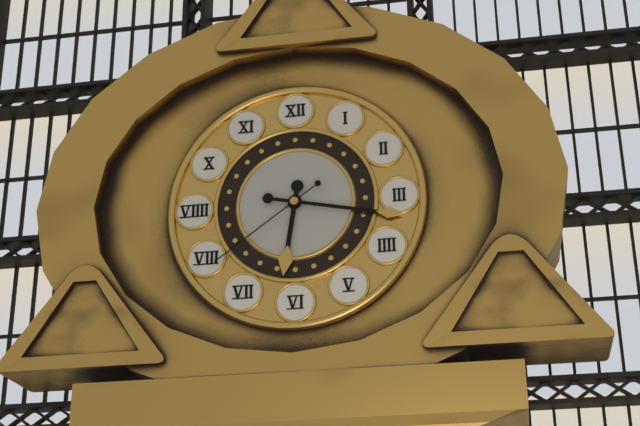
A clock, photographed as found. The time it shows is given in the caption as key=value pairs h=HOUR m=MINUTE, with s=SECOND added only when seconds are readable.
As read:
h=6 m=17 s=39
